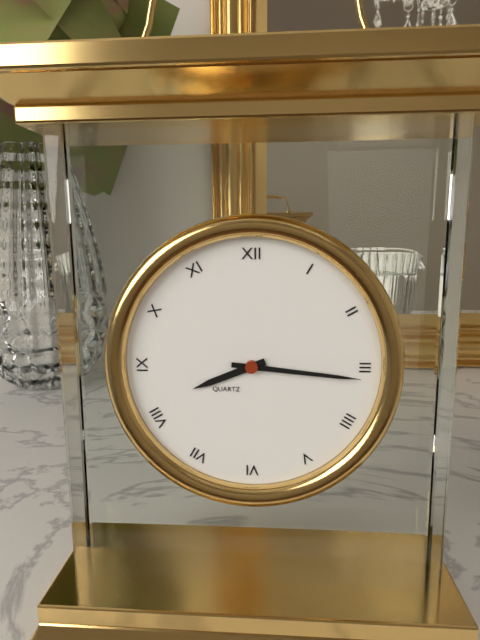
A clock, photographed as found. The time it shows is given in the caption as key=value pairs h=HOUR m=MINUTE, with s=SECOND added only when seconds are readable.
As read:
h=8 m=16
